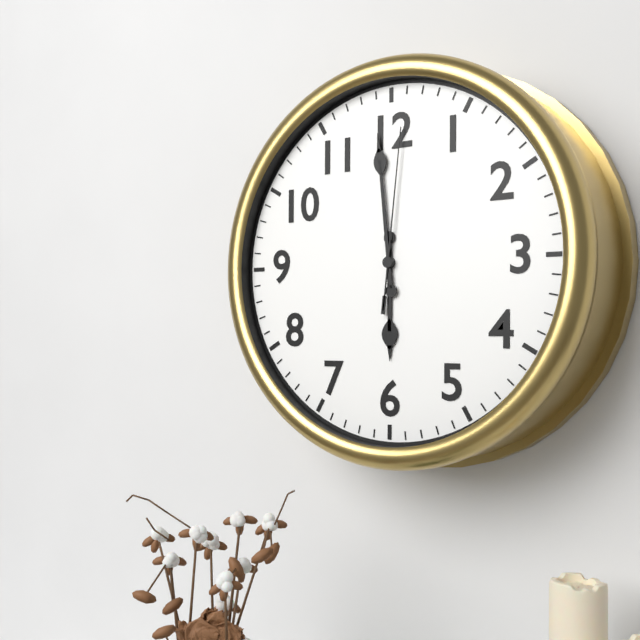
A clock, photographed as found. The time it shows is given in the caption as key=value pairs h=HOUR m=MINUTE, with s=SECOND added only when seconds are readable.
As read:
h=5 m=59 s=1
